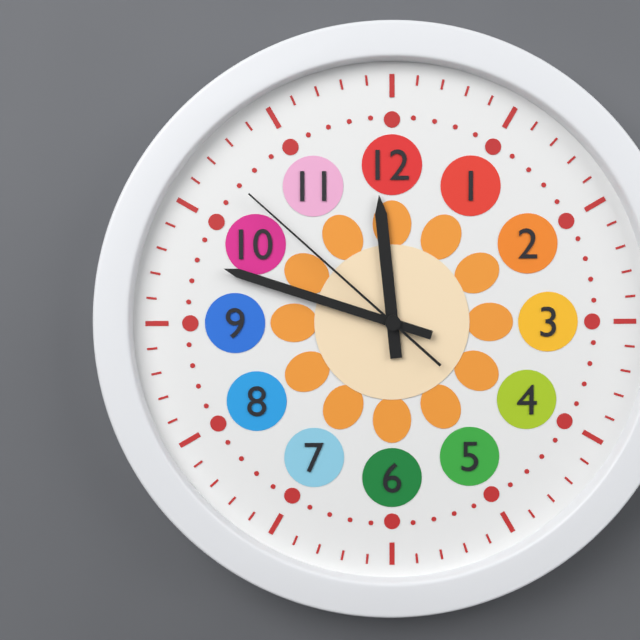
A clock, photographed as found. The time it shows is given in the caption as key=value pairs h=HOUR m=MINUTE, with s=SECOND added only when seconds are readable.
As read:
h=11 m=48 s=52
